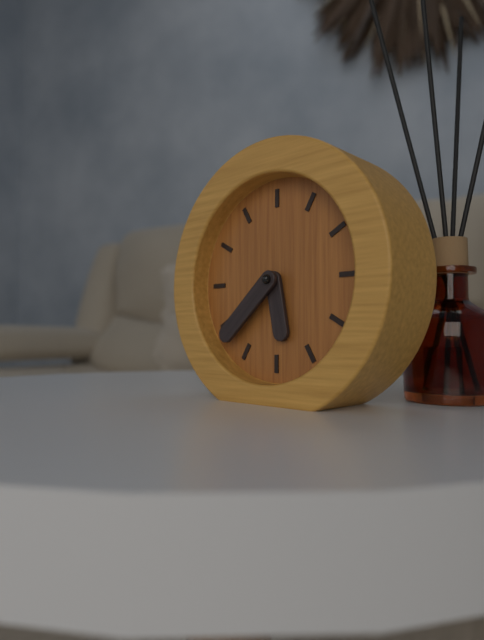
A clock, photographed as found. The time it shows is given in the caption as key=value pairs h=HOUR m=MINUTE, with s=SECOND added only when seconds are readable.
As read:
h=5 m=38
